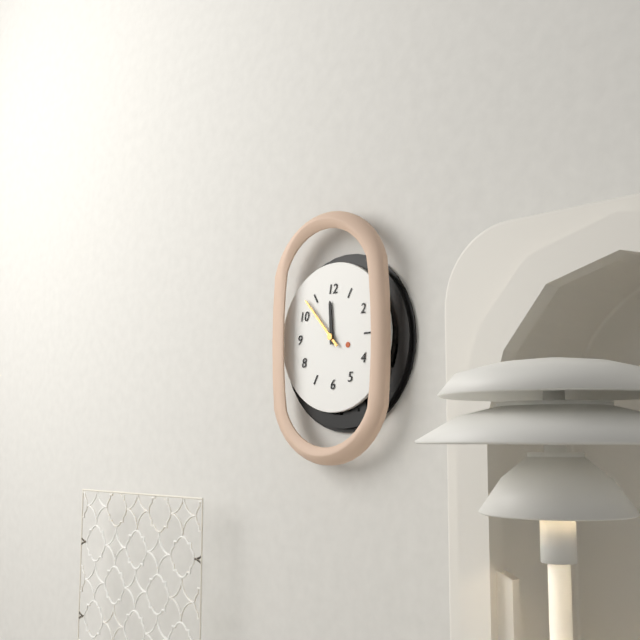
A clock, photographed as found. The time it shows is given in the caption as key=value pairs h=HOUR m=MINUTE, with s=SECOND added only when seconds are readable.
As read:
h=11 m=53
